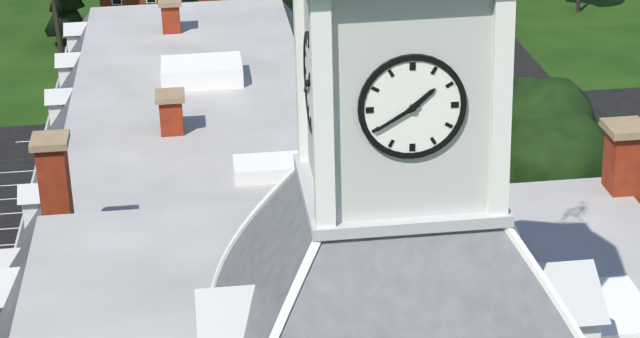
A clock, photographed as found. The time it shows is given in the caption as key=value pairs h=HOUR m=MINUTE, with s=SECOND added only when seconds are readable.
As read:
h=1 m=40
